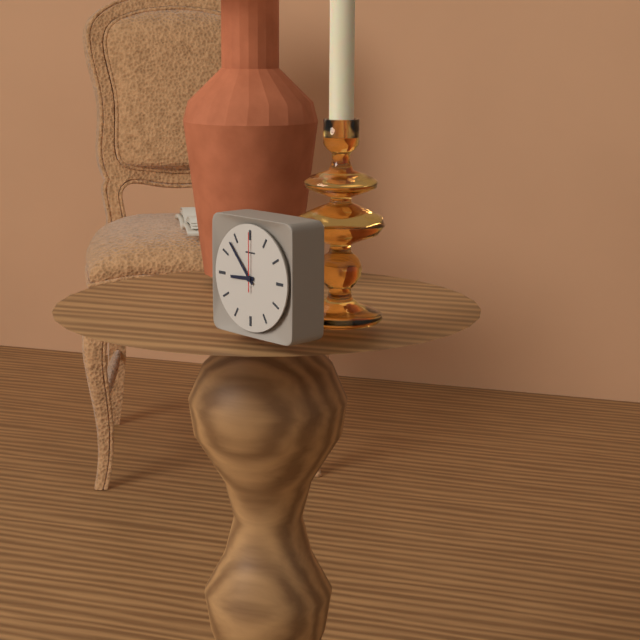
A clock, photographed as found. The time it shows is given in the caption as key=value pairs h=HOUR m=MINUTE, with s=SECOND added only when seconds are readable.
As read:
h=8 m=53 s=0
